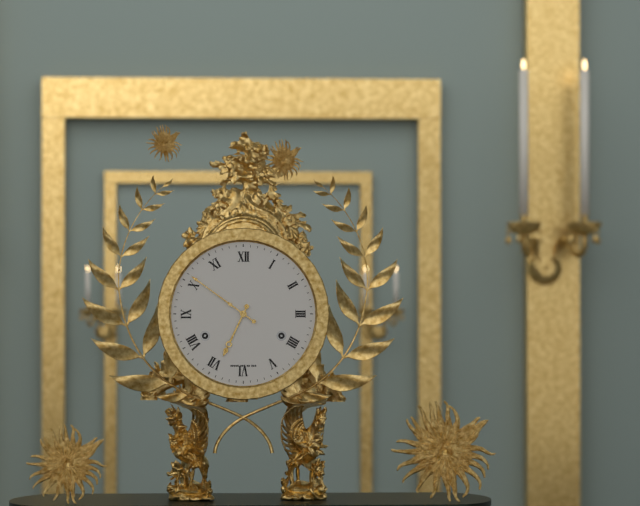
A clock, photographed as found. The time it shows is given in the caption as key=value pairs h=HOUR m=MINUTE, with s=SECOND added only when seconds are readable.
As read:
h=6 m=51
